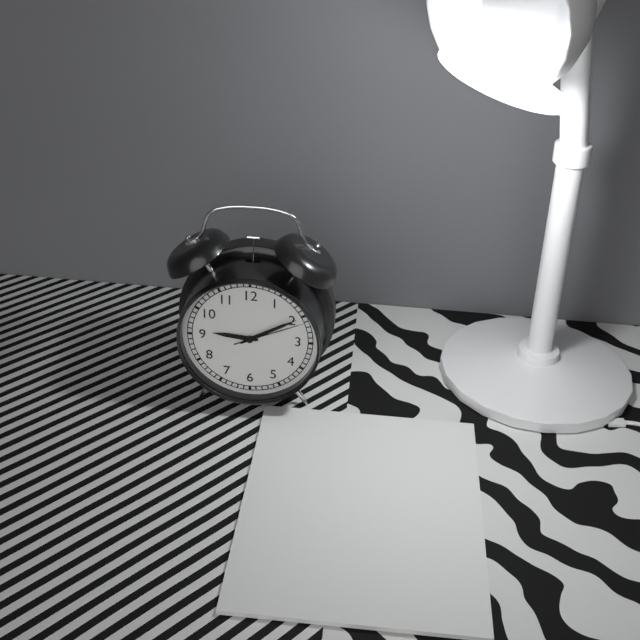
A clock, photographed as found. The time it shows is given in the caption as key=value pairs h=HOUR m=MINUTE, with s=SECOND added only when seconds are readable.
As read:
h=9 m=10 s=11
